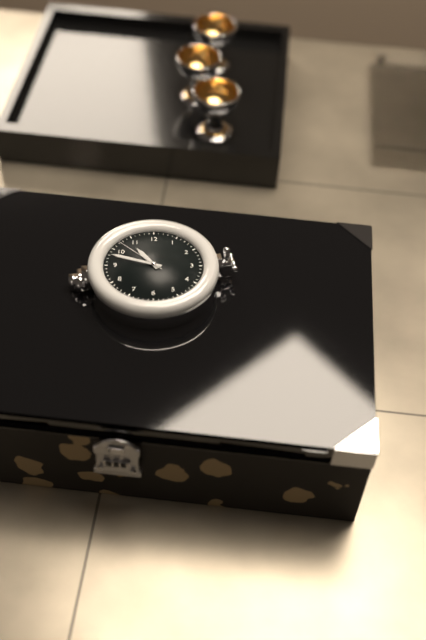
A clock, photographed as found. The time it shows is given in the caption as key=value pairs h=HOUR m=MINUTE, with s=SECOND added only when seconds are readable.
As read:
h=10 m=48 s=52
